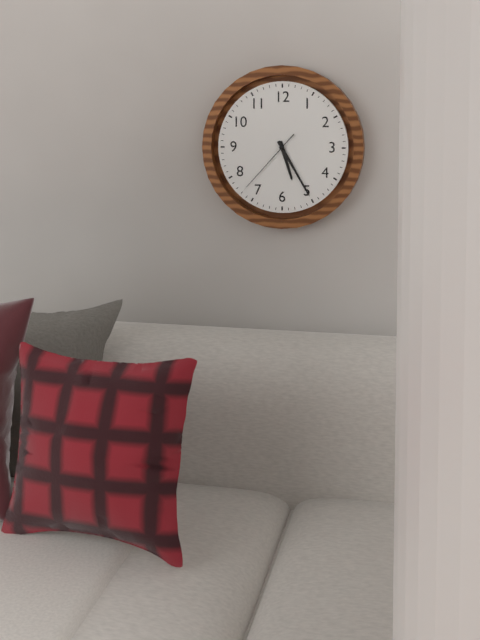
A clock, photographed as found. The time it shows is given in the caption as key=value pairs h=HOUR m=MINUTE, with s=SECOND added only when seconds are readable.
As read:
h=5 m=25 s=37
